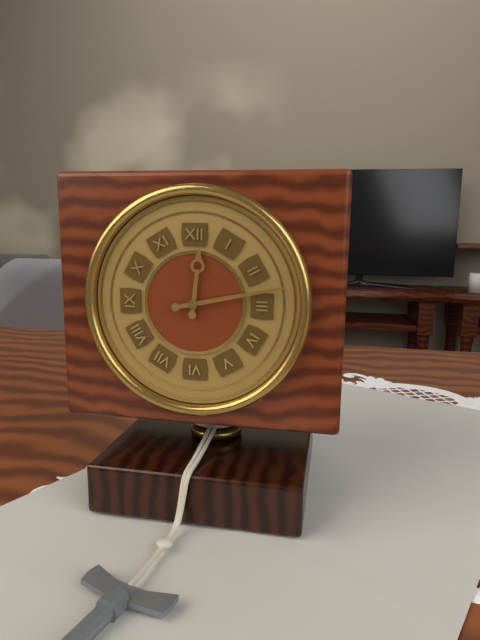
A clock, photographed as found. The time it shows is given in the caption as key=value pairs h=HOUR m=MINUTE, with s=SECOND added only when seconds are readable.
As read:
h=12 m=13
